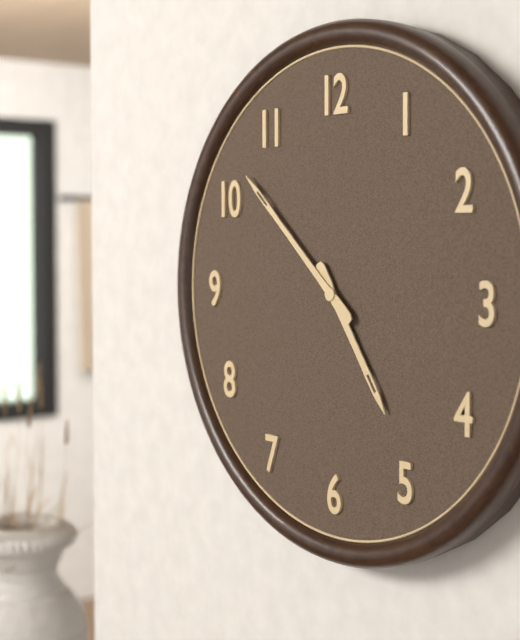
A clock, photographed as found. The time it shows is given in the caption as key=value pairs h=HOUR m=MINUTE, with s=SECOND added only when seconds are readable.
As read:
h=4 m=52
